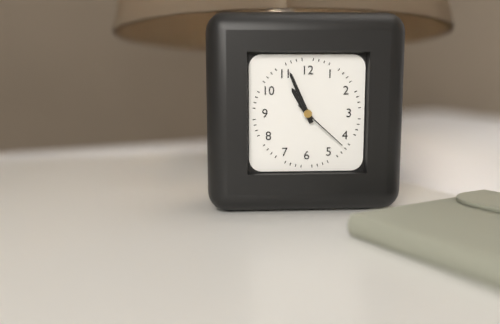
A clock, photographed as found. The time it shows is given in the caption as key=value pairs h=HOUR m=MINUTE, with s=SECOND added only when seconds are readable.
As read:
h=10 m=56 s=22
